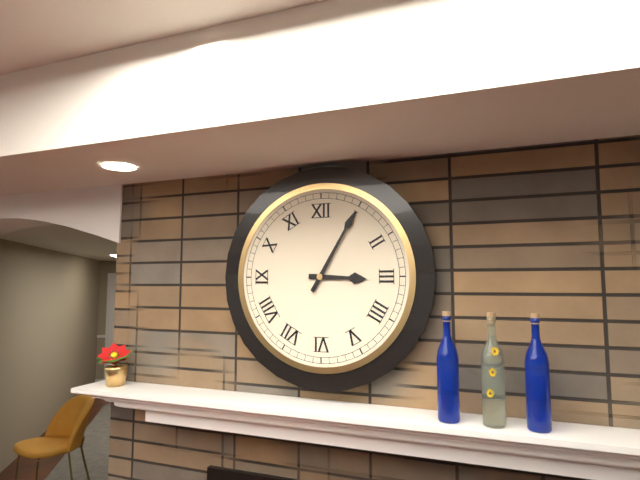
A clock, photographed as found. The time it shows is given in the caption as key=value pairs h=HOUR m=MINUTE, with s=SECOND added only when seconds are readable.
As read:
h=3 m=5
